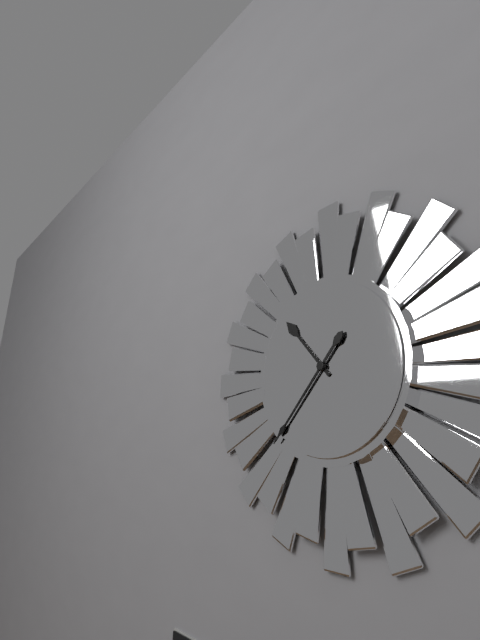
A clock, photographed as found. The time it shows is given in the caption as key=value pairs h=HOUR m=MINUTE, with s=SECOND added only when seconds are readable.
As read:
h=10 m=37
